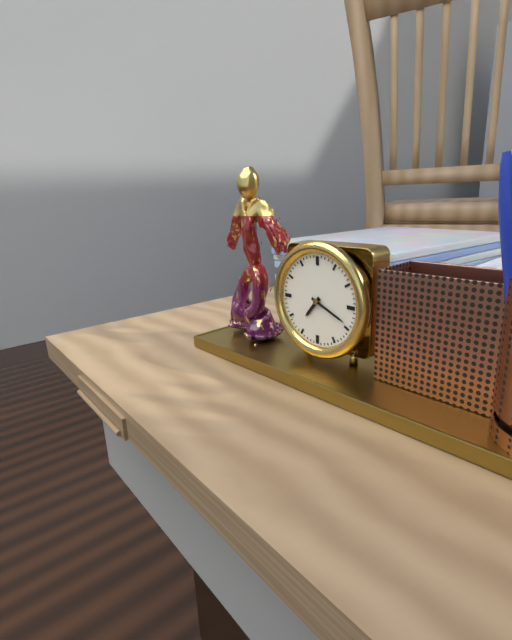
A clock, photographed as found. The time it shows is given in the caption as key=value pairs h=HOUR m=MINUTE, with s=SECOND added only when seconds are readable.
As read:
h=7 m=19
